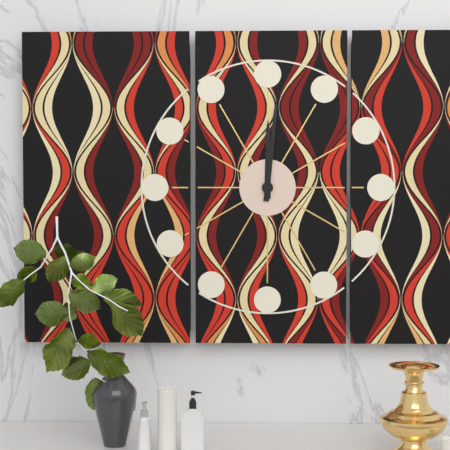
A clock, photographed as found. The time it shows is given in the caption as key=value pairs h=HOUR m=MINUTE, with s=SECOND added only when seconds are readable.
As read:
h=12 m=1
